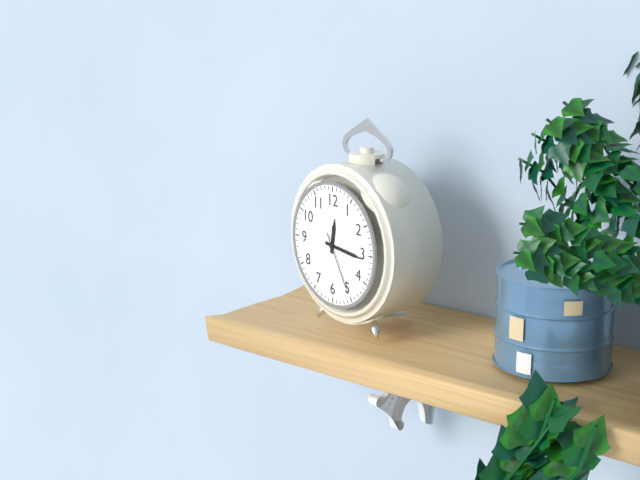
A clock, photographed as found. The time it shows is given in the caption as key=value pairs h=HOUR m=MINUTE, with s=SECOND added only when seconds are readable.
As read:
h=12 m=16 s=25
